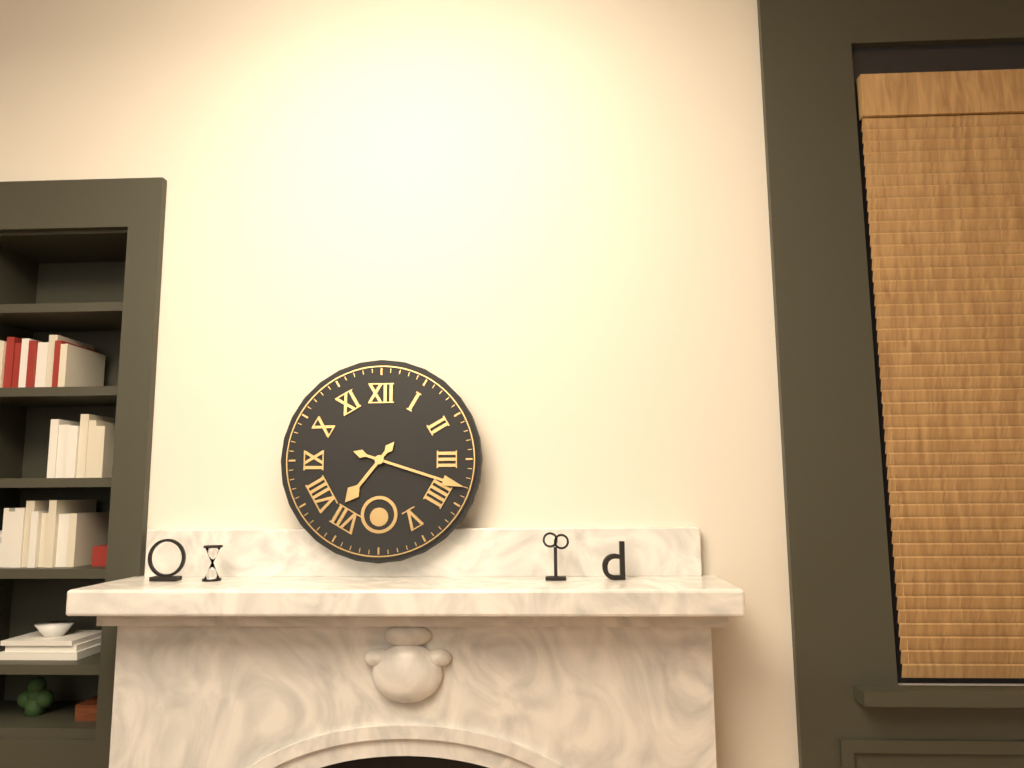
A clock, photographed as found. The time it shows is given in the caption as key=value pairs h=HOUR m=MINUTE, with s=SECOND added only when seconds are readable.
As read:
h=7 m=18
